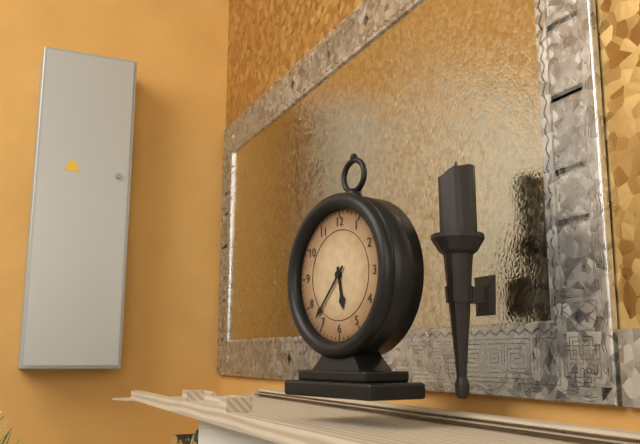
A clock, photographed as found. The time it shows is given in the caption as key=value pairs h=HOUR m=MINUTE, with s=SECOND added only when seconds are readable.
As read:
h=5 m=37
